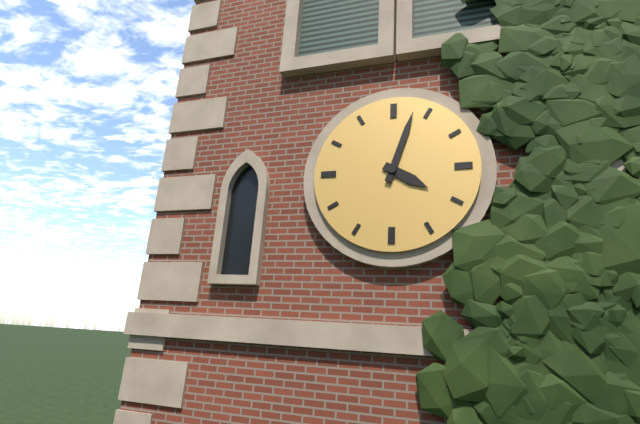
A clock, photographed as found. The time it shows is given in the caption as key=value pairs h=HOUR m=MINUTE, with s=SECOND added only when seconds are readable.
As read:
h=4 m=3
